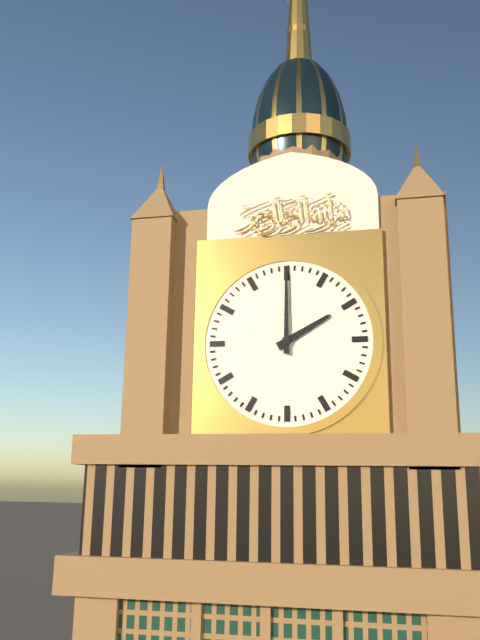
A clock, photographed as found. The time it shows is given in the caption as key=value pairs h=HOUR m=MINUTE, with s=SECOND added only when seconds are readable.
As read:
h=2 m=0
